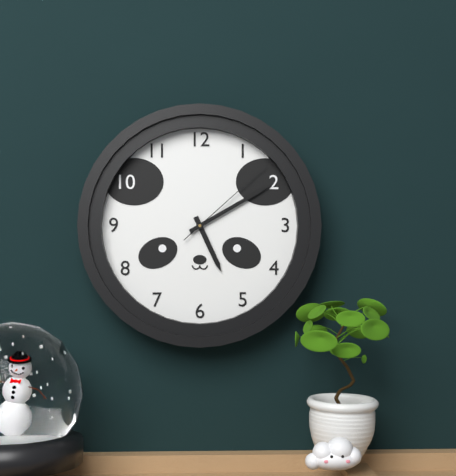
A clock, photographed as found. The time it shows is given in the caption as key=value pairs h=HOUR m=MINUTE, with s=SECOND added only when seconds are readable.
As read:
h=5 m=10 s=8
